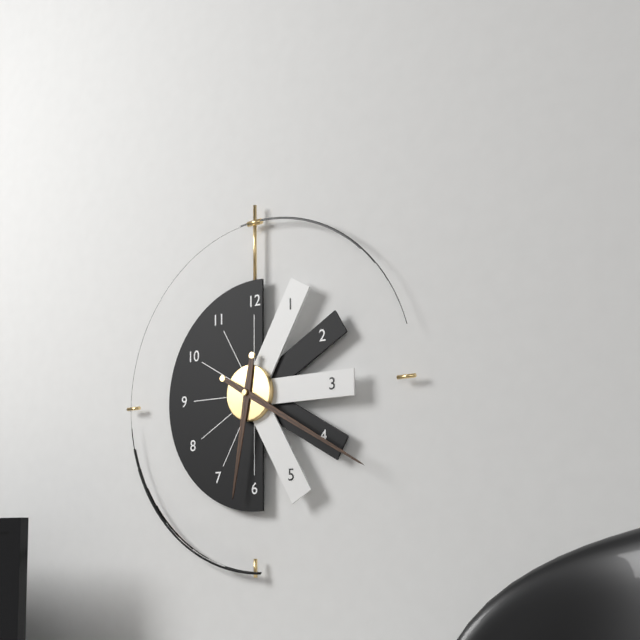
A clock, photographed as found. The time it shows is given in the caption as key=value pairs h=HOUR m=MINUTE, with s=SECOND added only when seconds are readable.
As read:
h=6 m=20
